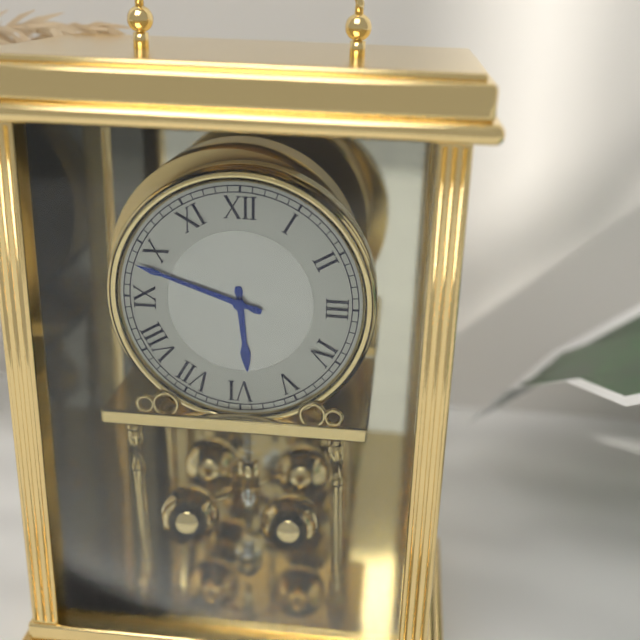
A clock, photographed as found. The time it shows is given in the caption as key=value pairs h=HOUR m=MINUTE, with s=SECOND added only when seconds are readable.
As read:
h=5 m=48
